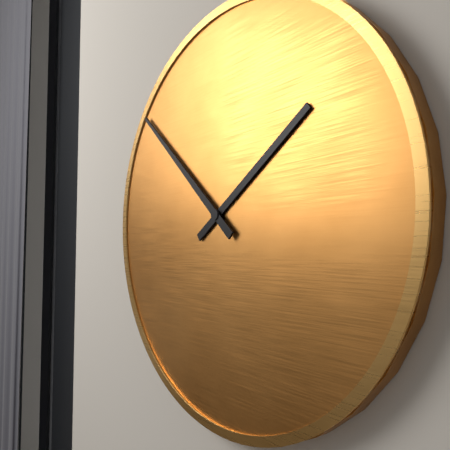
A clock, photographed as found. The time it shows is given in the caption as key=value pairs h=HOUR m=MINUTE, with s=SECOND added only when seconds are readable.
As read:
h=1 m=52
